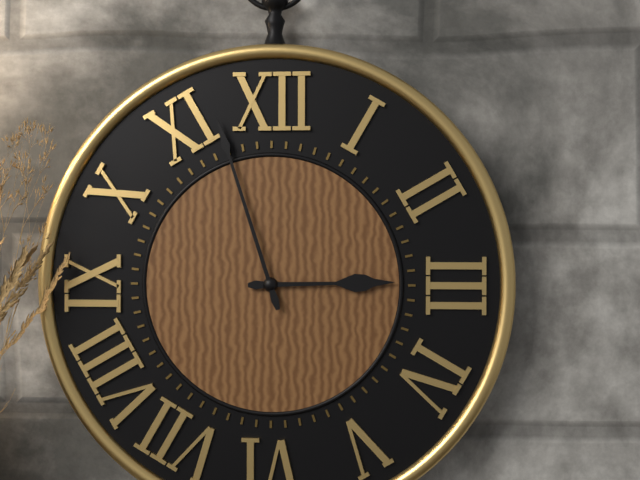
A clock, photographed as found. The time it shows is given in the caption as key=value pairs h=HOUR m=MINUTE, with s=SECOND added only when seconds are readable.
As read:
h=2 m=57
